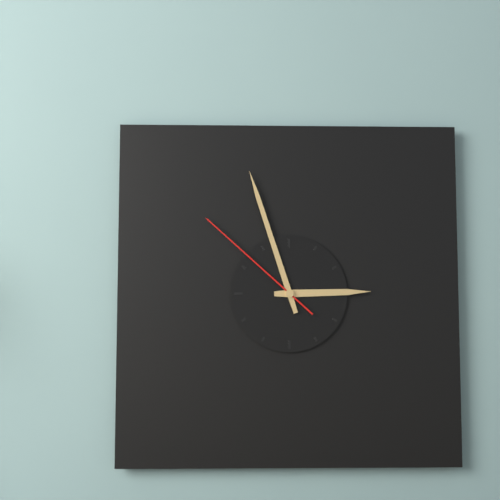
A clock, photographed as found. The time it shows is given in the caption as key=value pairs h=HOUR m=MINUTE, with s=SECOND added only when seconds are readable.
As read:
h=2 m=57 s=52
